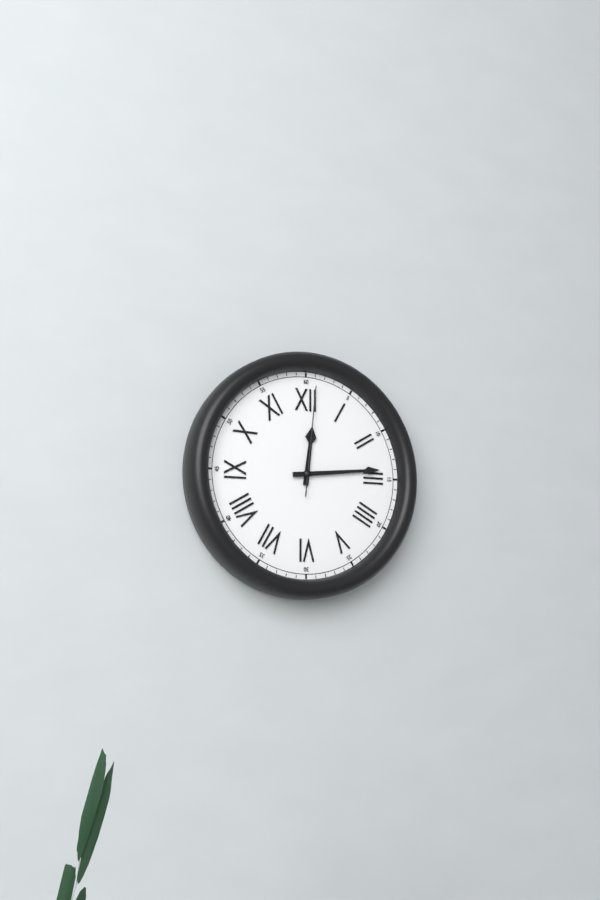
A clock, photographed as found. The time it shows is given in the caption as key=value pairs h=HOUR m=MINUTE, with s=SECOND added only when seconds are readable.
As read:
h=12 m=14 s=1
